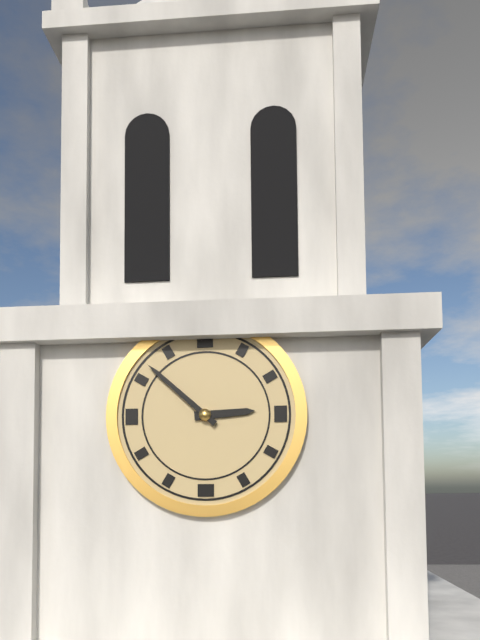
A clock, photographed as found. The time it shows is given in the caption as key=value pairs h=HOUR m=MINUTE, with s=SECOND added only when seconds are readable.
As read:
h=2 m=52
